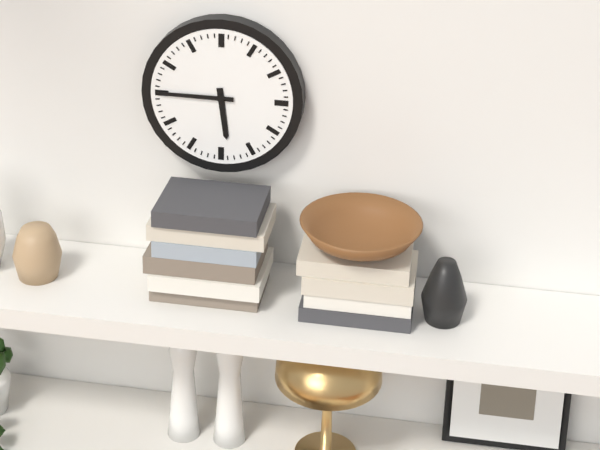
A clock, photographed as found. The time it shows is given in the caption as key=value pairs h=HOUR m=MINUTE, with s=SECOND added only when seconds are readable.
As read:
h=5 m=45
